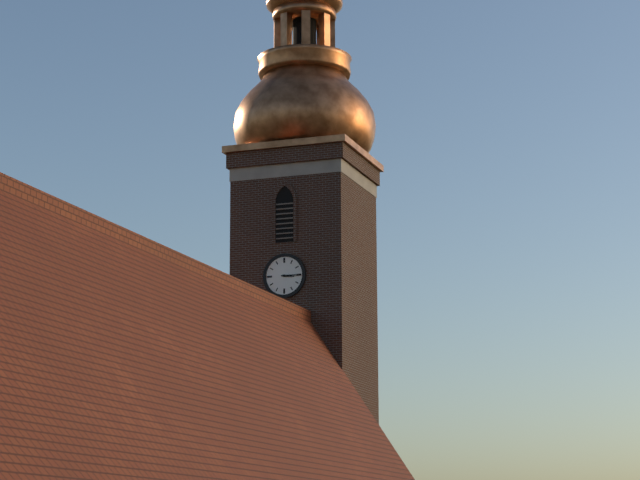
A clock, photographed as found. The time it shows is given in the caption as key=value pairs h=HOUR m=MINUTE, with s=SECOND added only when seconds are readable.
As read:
h=3 m=15
